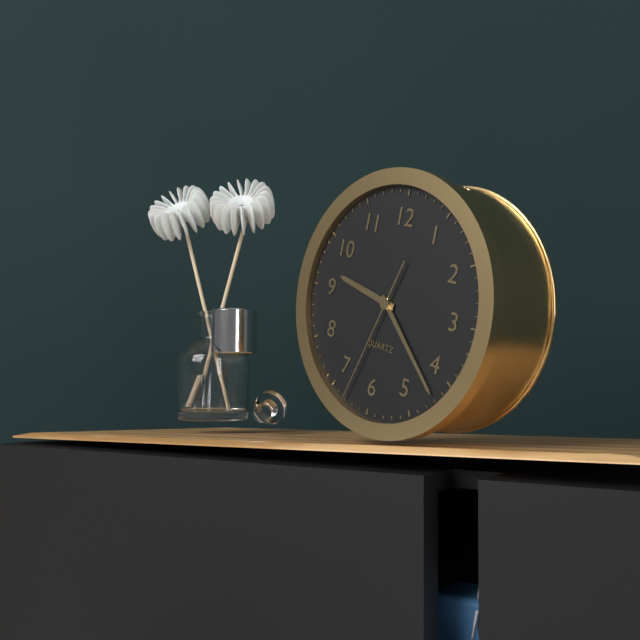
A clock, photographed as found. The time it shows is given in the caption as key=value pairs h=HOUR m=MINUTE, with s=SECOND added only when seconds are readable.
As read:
h=9 m=22 s=33
